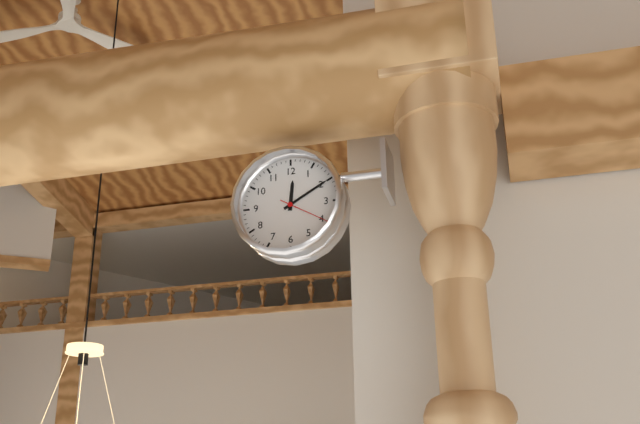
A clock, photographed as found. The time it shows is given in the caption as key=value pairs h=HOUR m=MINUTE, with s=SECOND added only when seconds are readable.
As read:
h=12 m=10 s=20
